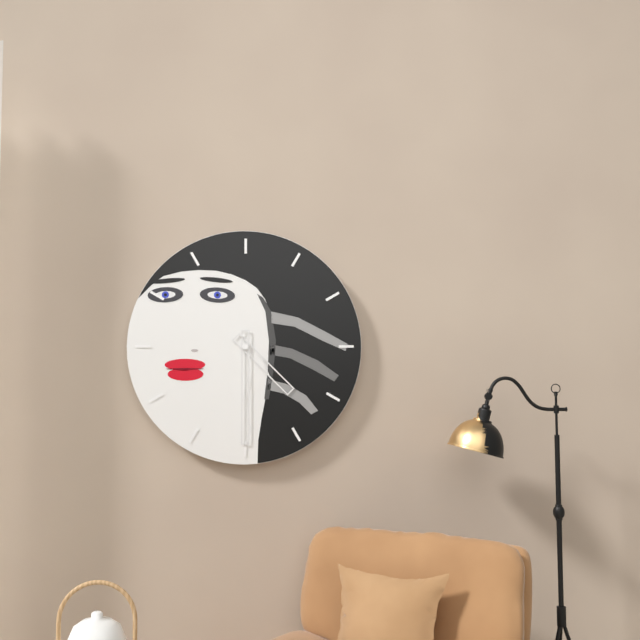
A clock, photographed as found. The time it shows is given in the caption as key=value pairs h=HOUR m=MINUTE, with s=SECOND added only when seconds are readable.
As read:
h=4 m=30
